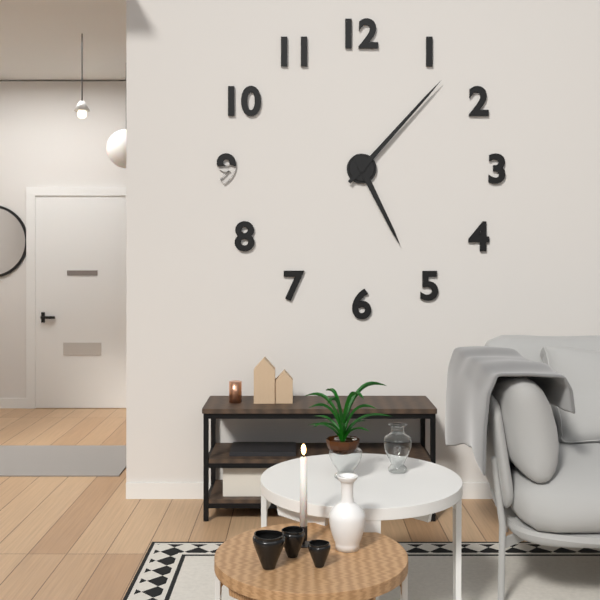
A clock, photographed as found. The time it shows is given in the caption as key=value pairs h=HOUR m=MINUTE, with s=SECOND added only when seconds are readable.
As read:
h=5 m=7
